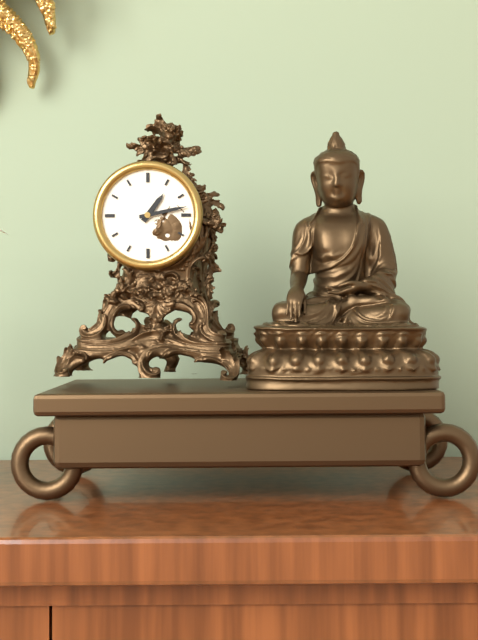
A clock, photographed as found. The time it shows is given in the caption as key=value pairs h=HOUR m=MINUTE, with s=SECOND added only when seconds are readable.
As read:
h=1 m=13
